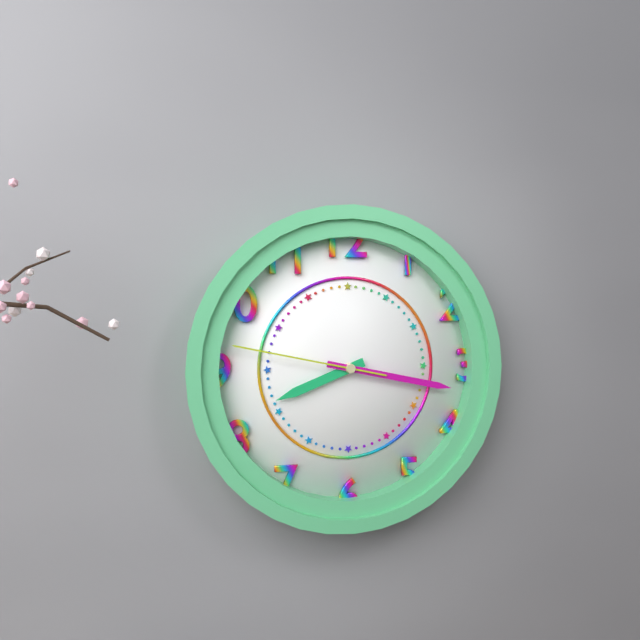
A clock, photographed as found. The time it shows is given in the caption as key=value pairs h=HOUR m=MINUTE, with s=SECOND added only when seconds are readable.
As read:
h=8 m=17 s=47
